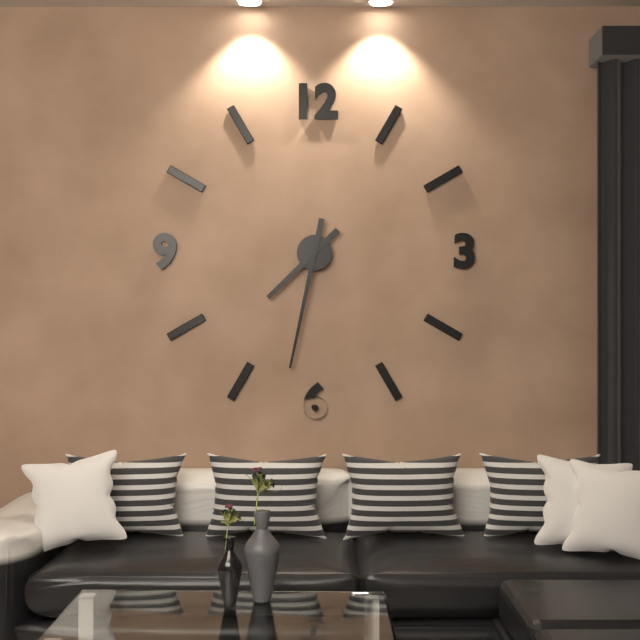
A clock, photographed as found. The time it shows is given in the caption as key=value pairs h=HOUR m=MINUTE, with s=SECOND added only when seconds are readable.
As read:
h=7 m=32
